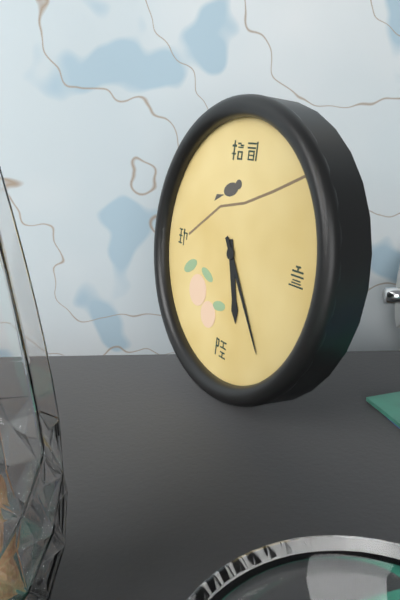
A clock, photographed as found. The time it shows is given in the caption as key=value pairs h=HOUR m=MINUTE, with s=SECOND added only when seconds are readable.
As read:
h=5 m=24
